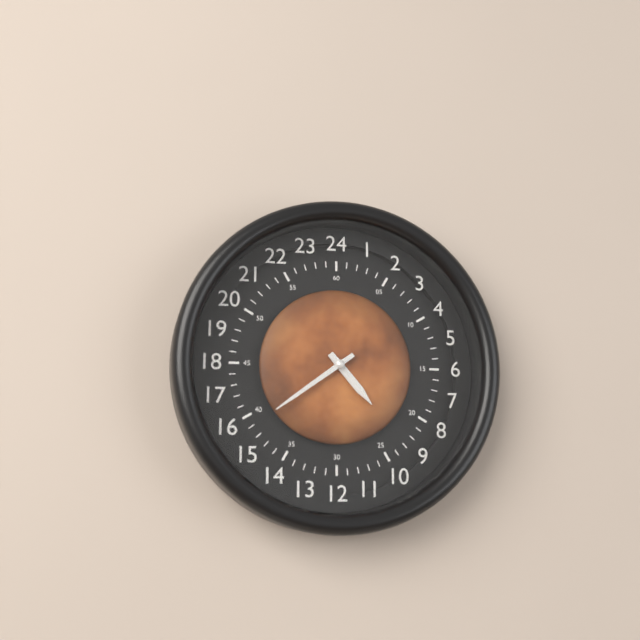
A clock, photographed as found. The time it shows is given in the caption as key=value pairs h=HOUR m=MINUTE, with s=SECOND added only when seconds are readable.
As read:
h=4 m=39
